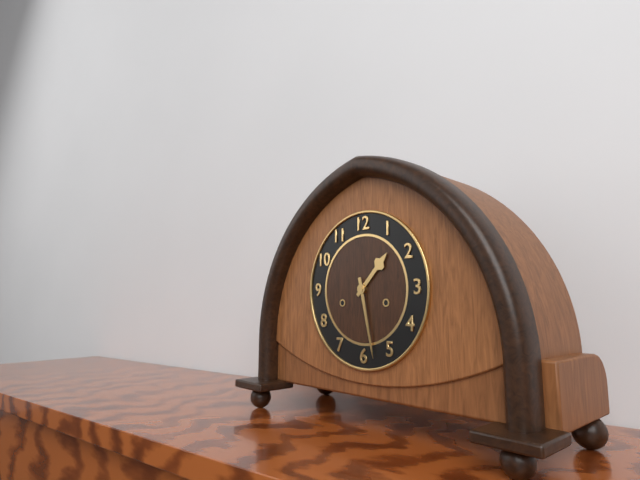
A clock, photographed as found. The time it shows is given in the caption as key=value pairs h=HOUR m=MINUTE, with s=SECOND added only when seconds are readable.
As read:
h=1 m=28
